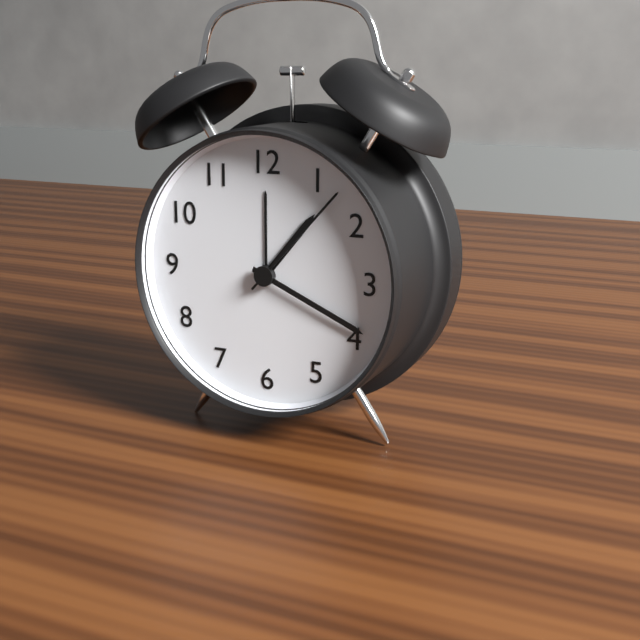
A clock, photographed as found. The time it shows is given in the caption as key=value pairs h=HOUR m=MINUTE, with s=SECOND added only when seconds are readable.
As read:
h=1 m=19 s=7
